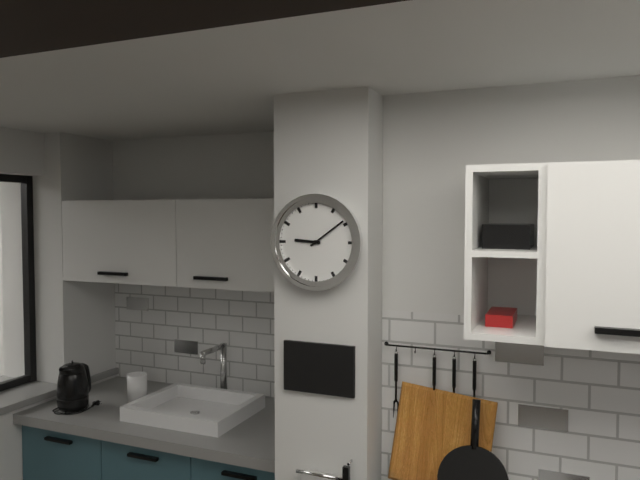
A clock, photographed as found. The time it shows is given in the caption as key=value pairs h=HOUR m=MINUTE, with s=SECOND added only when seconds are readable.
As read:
h=9 m=9
